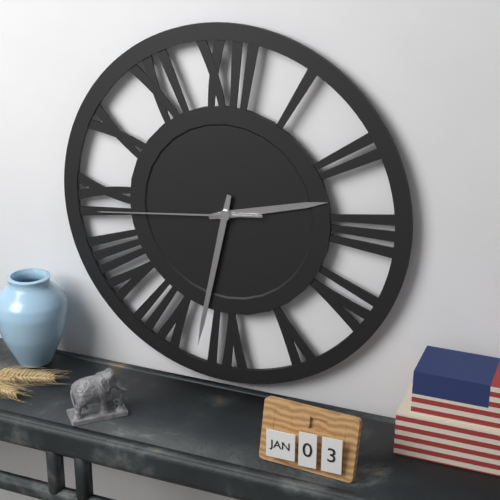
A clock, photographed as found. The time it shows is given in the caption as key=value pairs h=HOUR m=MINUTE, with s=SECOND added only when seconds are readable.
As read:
h=2 m=32 s=44
